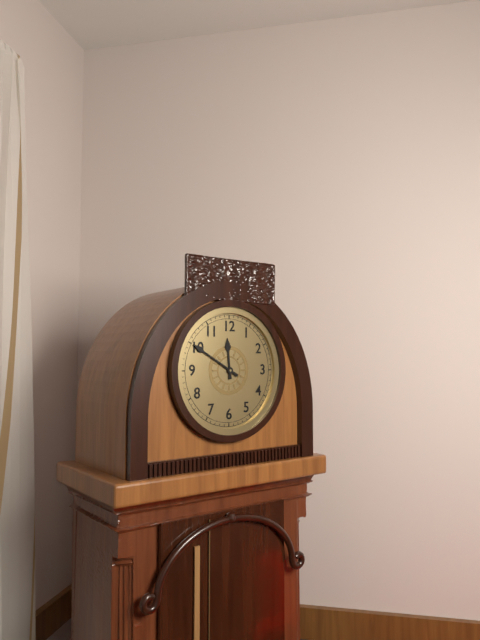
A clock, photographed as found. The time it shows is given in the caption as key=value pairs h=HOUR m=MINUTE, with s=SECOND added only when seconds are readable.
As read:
h=11 m=50
